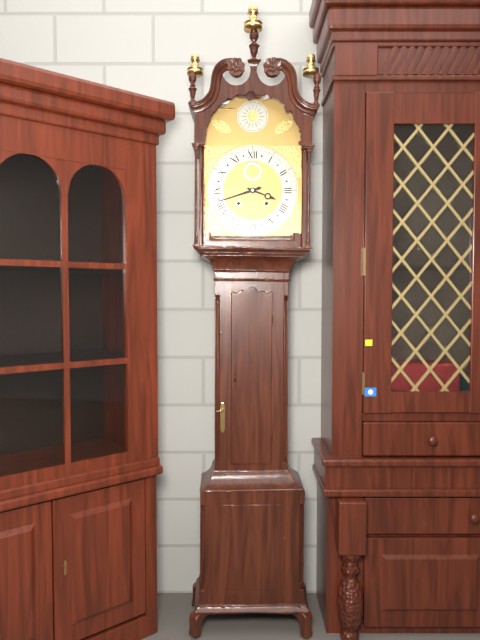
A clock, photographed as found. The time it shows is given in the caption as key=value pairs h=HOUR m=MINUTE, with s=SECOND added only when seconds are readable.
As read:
h=3 m=42
